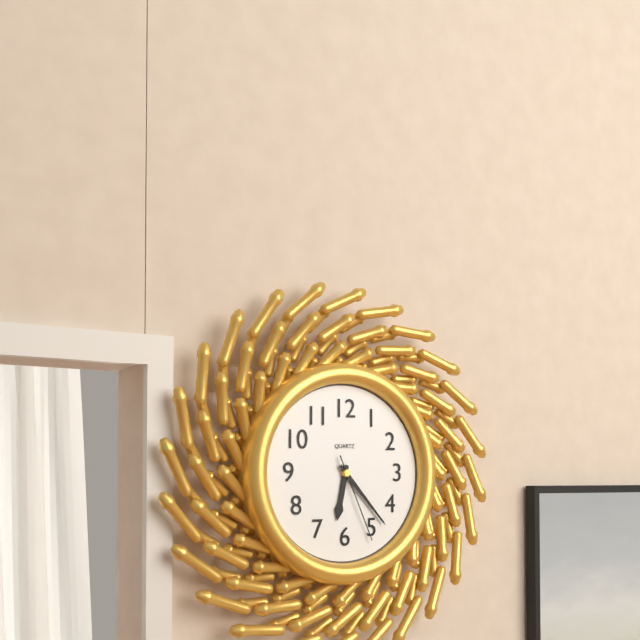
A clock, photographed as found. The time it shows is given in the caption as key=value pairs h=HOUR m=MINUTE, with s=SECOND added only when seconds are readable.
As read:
h=6 m=23 s=26
